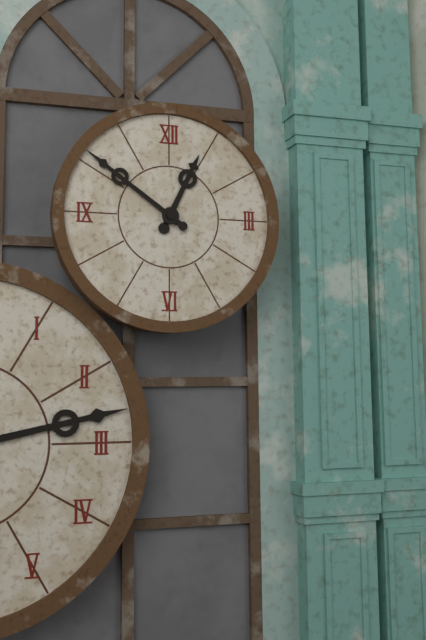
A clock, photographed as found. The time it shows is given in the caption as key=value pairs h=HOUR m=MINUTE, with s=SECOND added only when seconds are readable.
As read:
h=12 m=51
